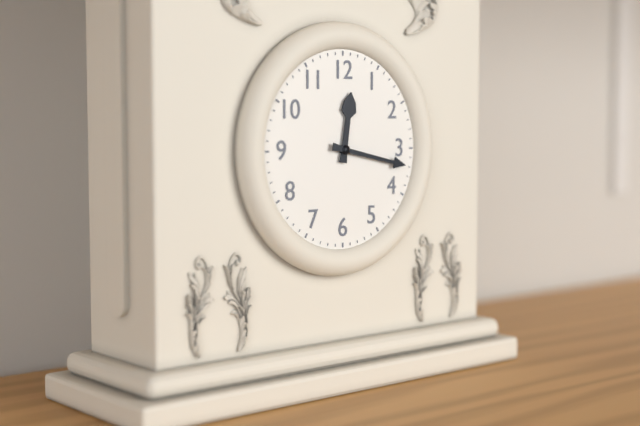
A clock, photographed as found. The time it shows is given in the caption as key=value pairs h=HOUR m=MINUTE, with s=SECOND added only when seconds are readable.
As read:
h=12 m=17
